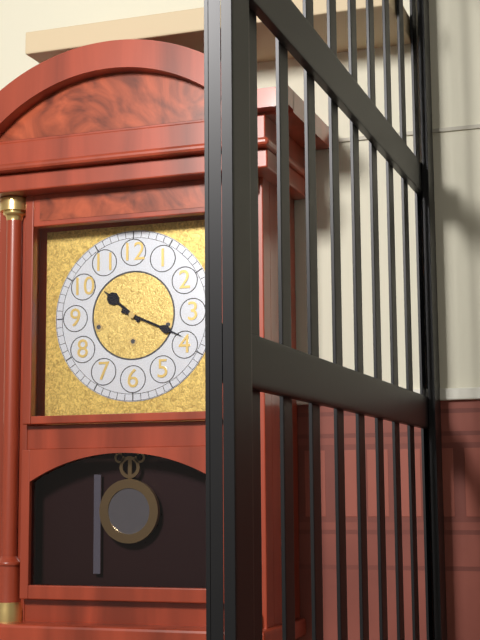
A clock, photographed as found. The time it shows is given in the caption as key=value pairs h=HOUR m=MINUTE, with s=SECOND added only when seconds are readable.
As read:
h=10 m=19
